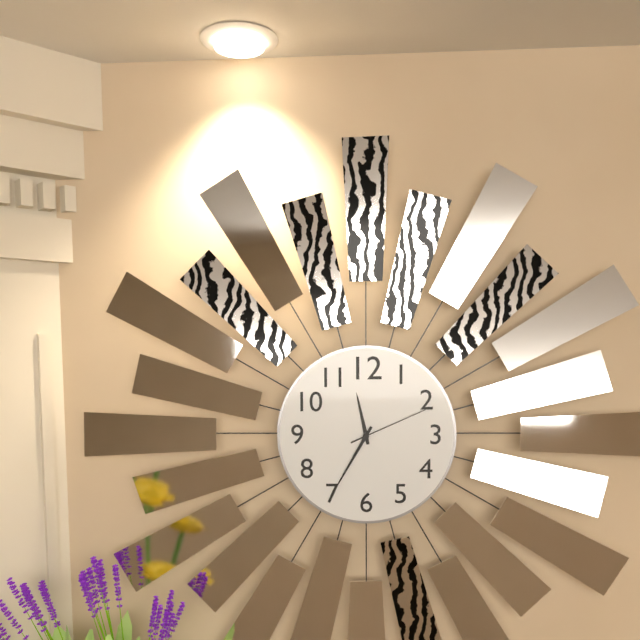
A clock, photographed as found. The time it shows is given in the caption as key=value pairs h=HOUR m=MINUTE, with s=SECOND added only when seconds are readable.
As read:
h=11 m=35 s=11
